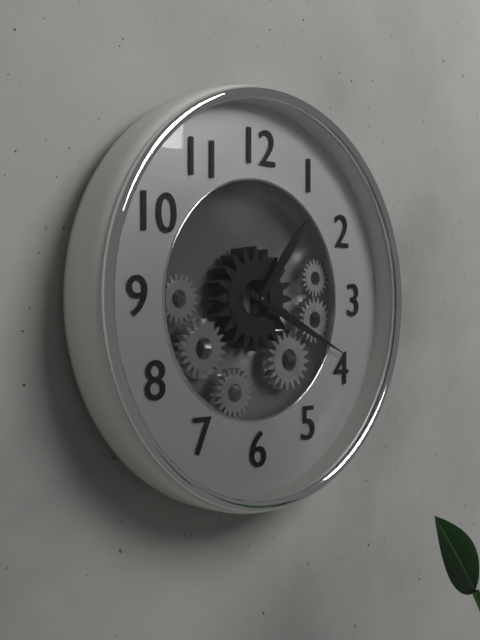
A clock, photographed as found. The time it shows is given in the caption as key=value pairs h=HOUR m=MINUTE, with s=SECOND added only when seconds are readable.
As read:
h=1 m=19
